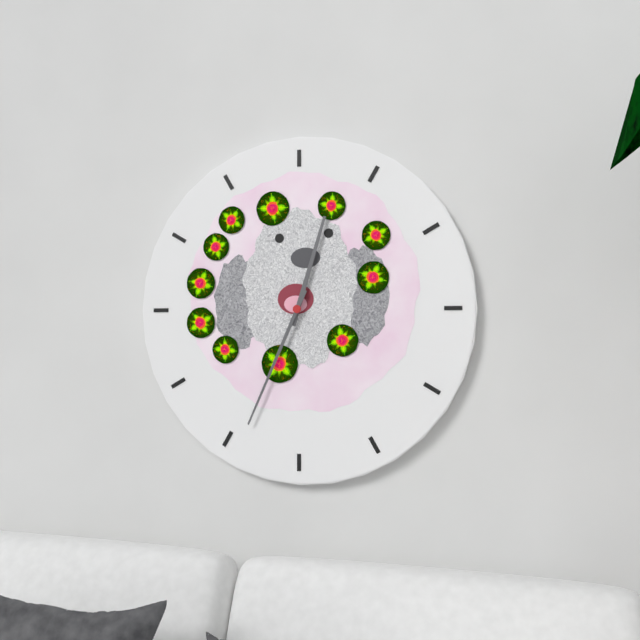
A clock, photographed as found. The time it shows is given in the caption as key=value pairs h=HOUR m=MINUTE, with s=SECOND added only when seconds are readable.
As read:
h=12 m=34
